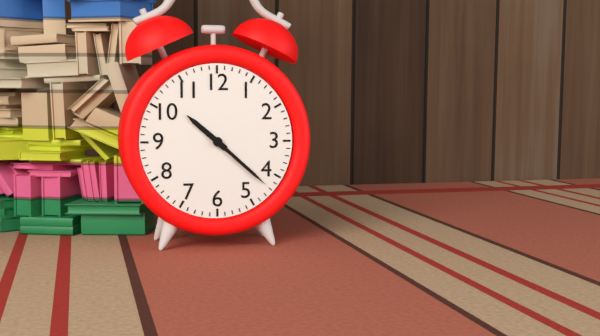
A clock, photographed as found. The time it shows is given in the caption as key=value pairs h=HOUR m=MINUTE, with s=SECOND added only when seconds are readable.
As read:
h=10 m=22
